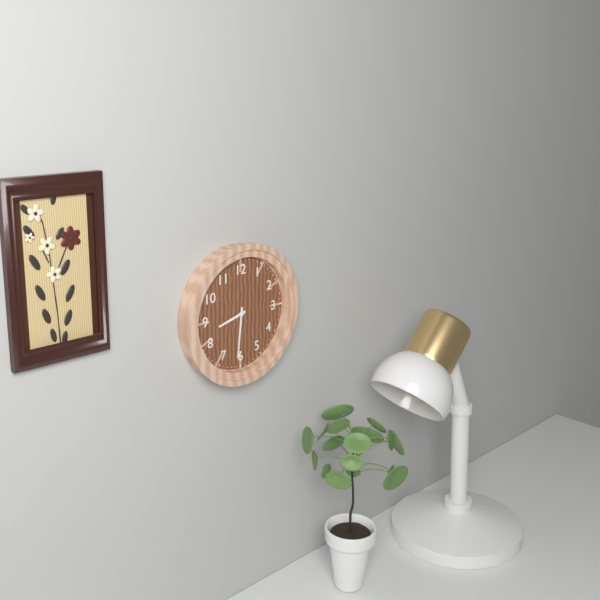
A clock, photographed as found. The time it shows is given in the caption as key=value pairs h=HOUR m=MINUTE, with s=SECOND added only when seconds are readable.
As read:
h=8 m=31
